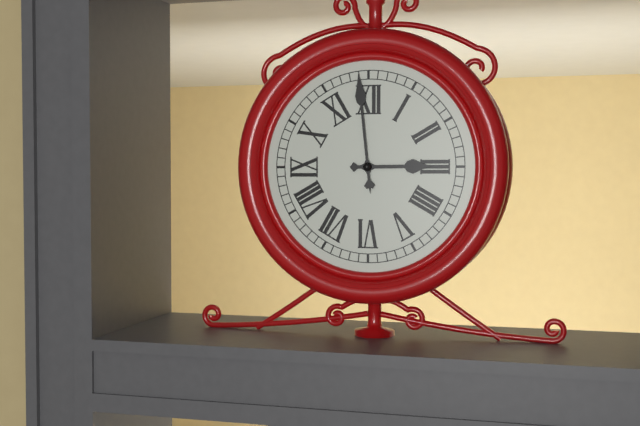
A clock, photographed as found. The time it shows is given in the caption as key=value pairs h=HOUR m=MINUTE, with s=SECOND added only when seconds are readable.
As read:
h=2 m=59
